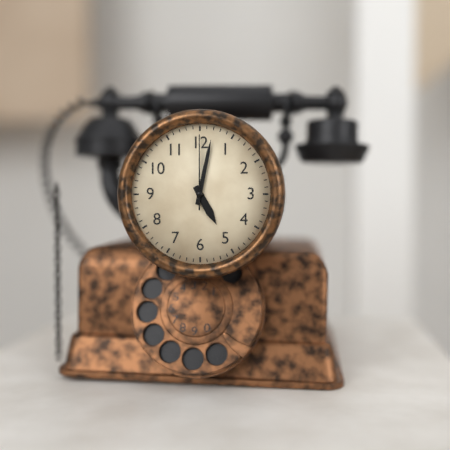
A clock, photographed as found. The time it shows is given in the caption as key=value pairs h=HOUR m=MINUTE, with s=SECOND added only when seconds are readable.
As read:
h=5 m=2 s=0
